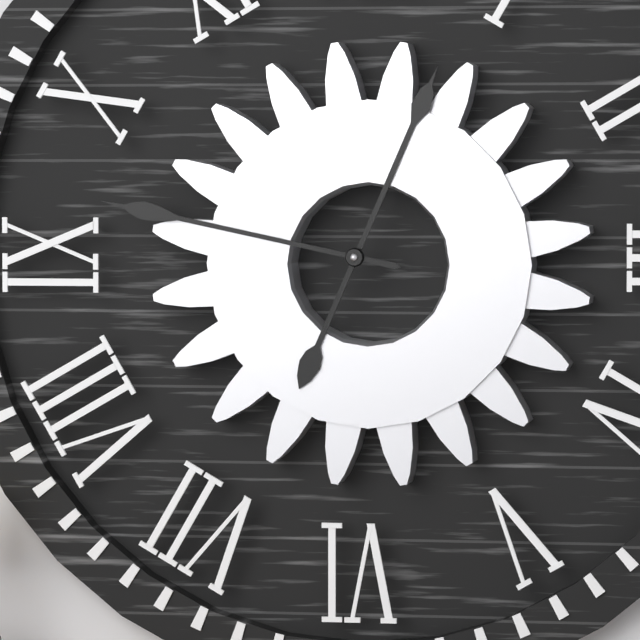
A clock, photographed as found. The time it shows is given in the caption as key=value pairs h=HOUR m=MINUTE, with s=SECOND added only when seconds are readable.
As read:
h=12 m=47
